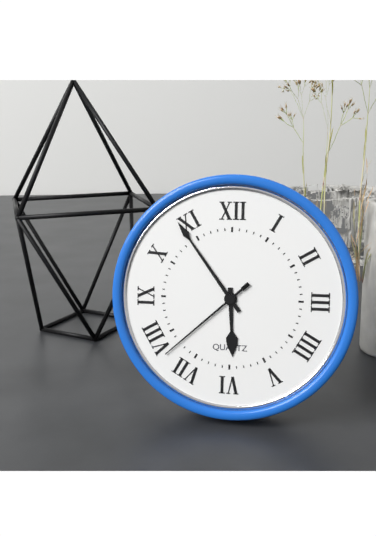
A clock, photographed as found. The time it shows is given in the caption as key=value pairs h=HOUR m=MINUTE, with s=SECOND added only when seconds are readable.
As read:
h=5 m=54 s=38
